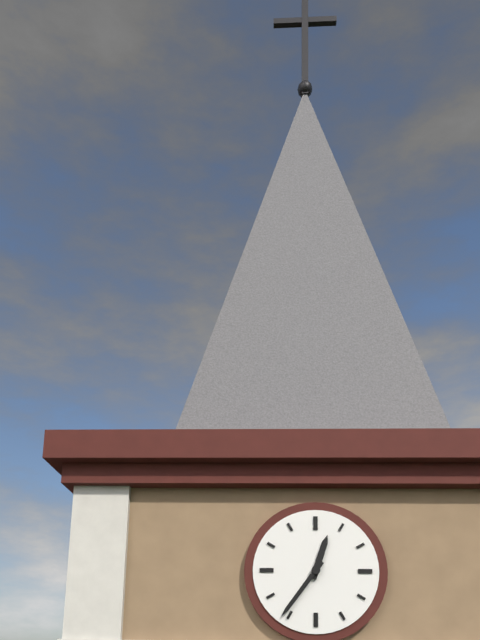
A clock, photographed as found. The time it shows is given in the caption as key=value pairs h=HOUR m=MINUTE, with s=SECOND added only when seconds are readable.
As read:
h=12 m=36
